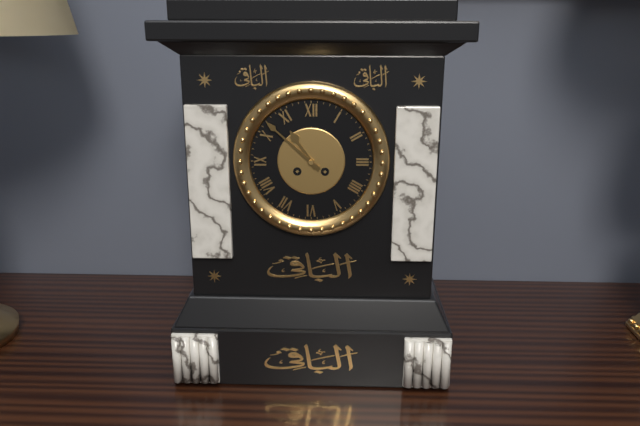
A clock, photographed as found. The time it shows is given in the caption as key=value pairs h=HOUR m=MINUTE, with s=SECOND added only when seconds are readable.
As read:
h=10 m=52
